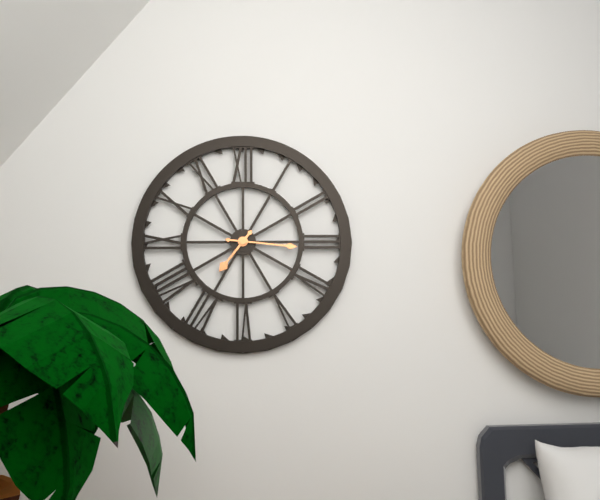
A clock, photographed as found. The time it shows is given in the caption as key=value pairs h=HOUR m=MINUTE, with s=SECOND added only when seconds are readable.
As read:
h=7 m=16
